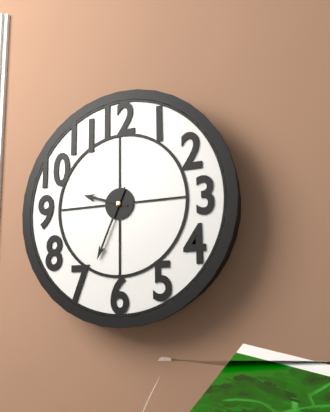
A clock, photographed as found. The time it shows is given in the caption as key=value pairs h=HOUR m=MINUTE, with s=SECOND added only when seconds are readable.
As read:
h=9 m=34
